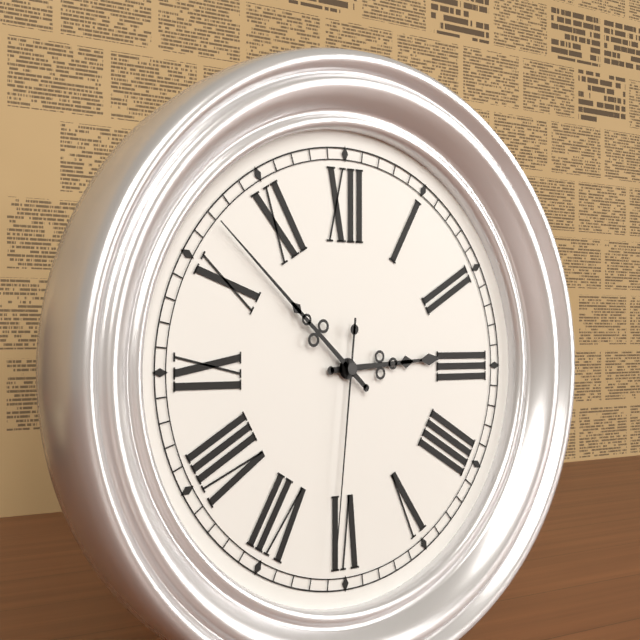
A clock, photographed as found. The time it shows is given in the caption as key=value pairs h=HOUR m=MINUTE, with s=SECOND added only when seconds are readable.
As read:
h=2 m=52 s=31
